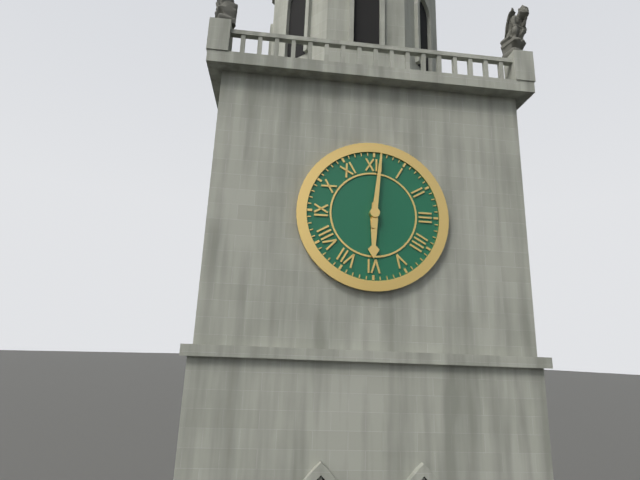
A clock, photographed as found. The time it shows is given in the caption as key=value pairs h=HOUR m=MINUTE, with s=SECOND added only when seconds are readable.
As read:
h=6 m=1
